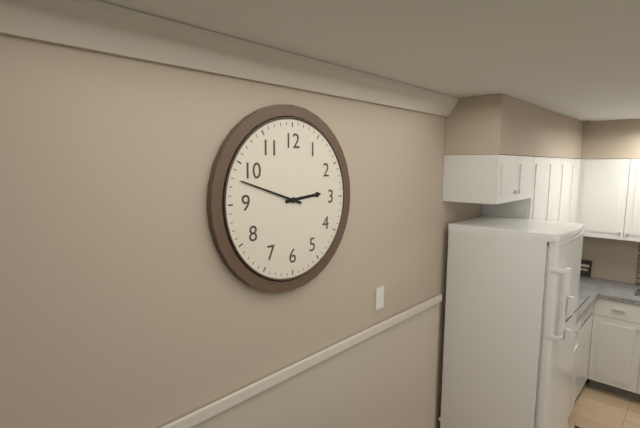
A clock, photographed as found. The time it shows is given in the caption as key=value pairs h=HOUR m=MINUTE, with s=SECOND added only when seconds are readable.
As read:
h=2 m=48
